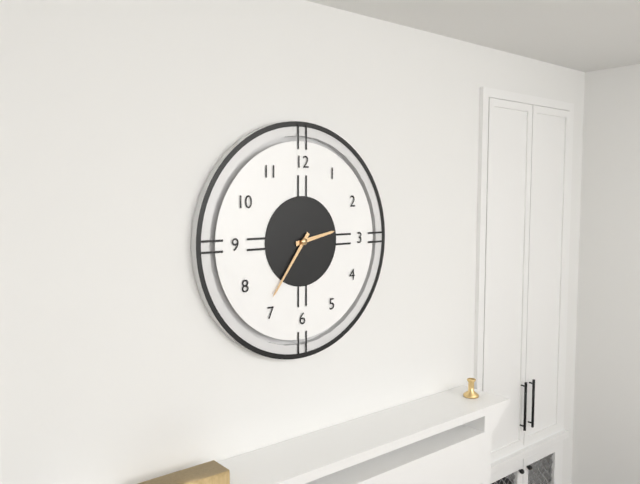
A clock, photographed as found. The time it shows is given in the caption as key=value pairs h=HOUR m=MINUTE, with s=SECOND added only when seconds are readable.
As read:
h=2 m=36
